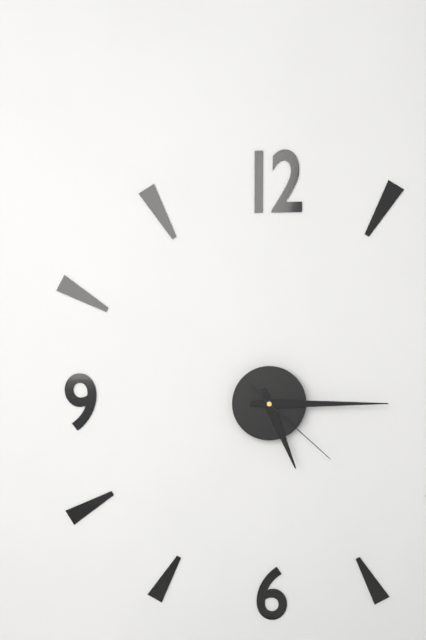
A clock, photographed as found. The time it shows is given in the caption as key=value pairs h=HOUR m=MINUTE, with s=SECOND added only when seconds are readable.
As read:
h=5 m=15 s=22
